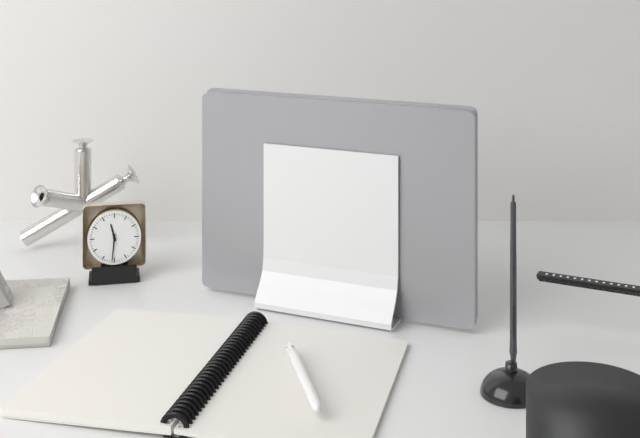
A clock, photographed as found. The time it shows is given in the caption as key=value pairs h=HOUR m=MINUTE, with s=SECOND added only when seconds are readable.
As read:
h=11 m=31
